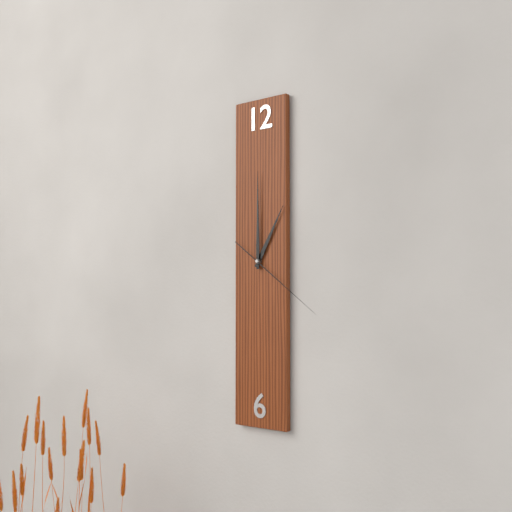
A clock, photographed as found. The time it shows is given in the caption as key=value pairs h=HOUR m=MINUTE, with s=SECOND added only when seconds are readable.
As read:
h=1 m=0 s=21
